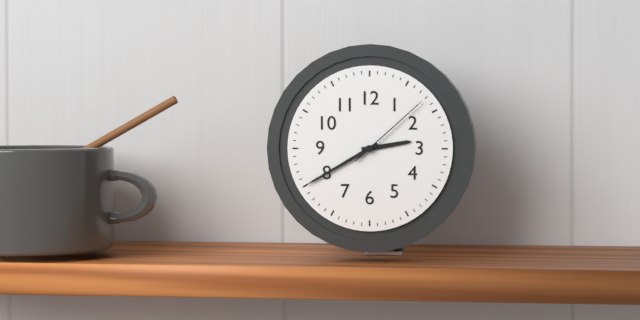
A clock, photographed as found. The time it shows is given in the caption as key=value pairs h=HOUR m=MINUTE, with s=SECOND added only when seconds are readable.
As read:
h=2 m=40 s=8
